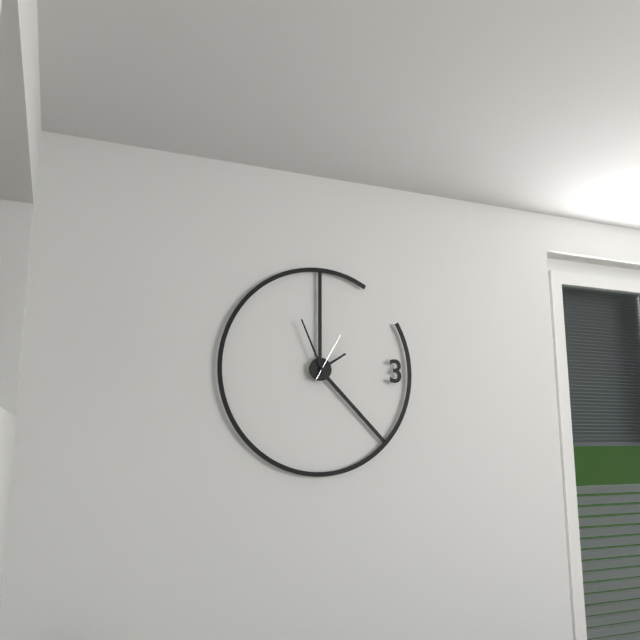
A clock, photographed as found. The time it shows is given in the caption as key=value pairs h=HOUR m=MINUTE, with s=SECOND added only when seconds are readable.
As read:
h=1 m=56 s=5
